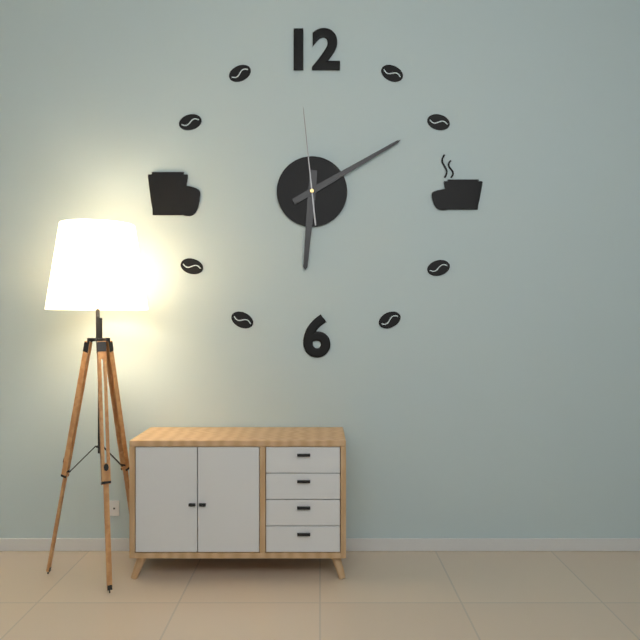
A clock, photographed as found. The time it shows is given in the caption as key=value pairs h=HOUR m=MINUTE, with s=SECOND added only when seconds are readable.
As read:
h=6 m=10 s=59
